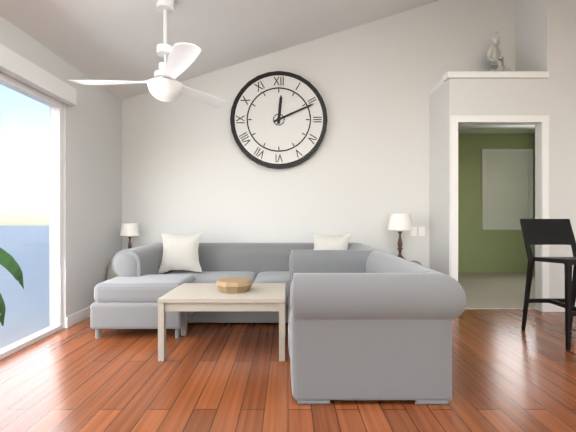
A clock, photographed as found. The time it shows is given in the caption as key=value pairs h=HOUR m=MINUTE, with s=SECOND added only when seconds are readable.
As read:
h=12 m=11
